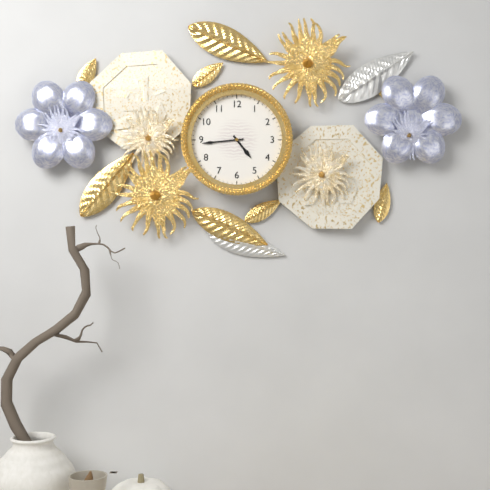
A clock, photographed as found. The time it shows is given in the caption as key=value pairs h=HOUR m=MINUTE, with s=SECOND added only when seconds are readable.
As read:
h=4 m=44
